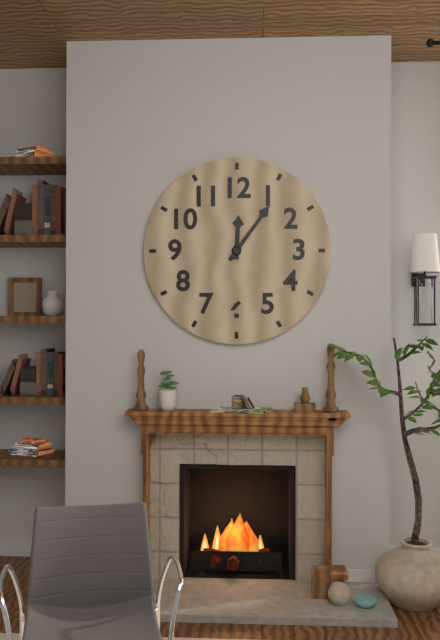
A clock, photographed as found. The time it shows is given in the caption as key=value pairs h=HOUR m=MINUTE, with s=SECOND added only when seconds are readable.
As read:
h=12 m=6
